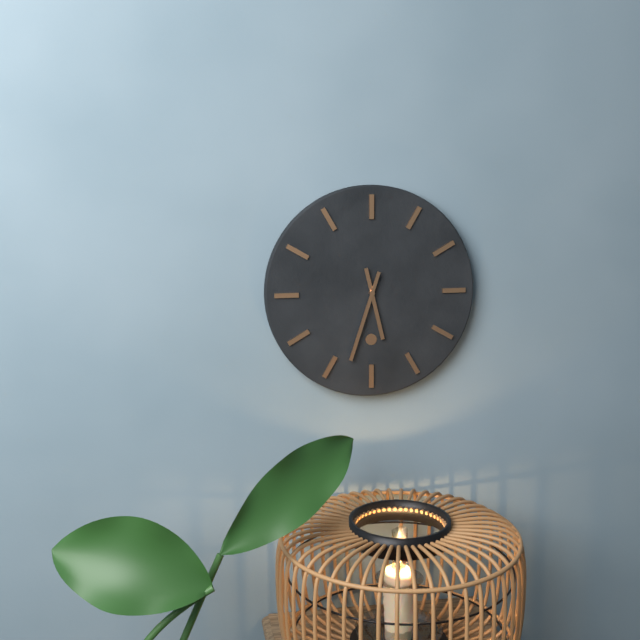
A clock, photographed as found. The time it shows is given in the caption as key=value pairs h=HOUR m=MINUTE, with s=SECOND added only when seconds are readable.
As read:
h=5 m=33
